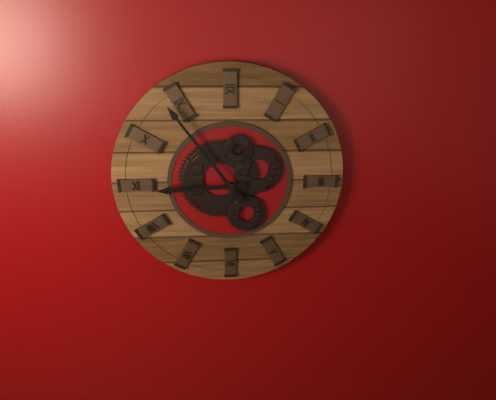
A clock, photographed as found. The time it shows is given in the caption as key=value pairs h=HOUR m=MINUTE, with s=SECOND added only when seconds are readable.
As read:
h=8 m=54
